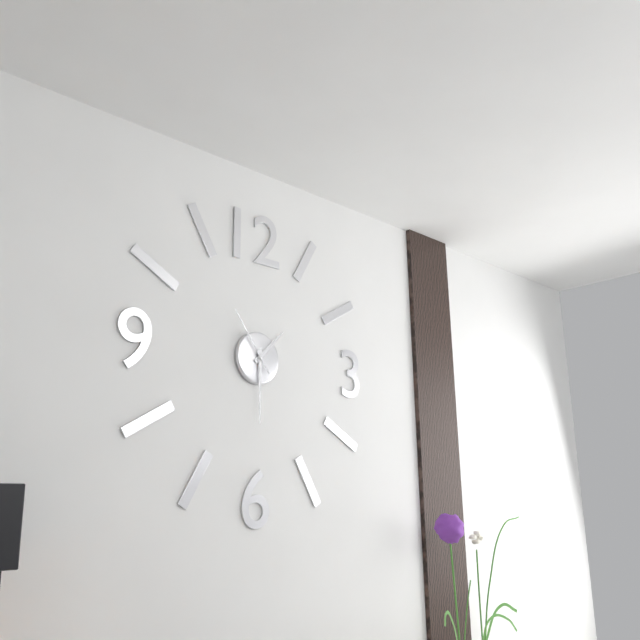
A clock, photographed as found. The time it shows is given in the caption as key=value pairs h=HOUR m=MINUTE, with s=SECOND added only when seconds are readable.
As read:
h=1 m=30 s=54
